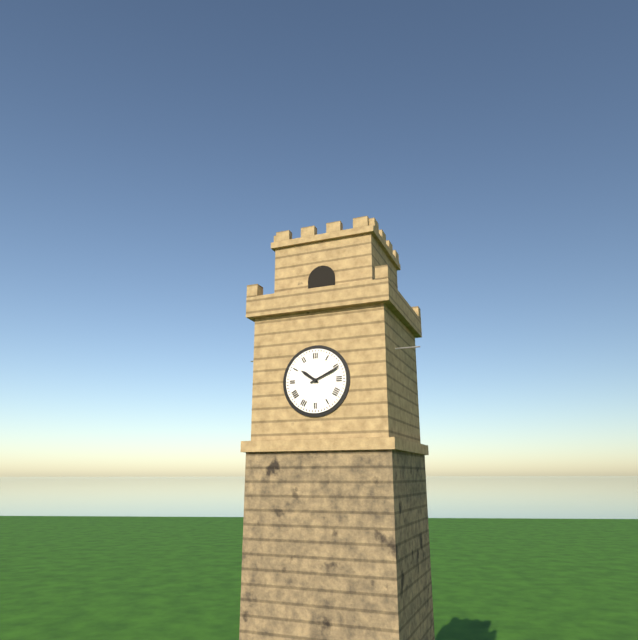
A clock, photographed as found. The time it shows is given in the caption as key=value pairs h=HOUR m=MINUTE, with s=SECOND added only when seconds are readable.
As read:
h=10 m=11
